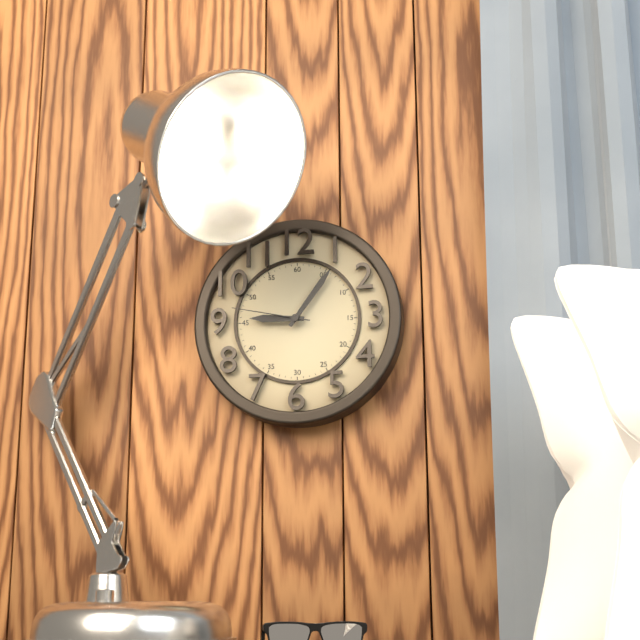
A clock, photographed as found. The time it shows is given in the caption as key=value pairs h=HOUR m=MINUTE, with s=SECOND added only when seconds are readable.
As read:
h=9 m=6 s=47
